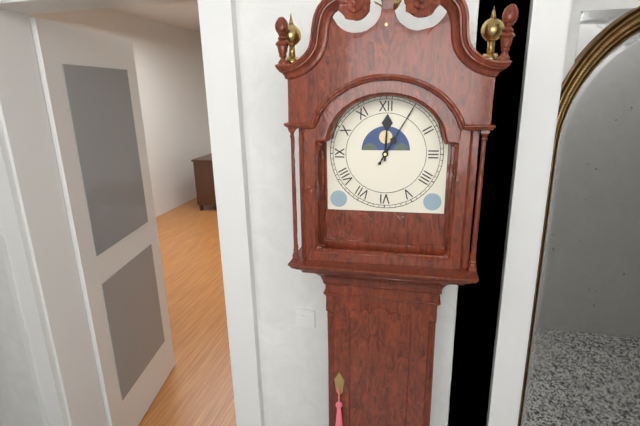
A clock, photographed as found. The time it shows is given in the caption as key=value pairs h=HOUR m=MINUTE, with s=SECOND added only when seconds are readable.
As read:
h=12 m=5
